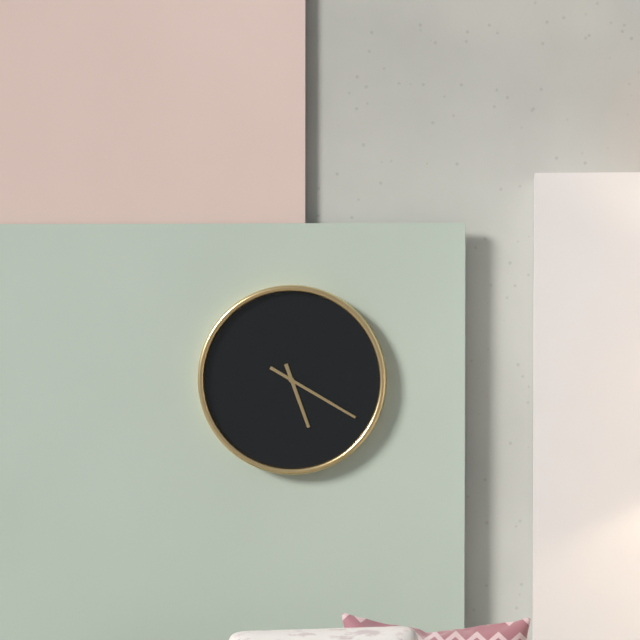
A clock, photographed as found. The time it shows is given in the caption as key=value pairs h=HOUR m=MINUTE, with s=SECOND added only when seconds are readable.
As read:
h=5 m=20
